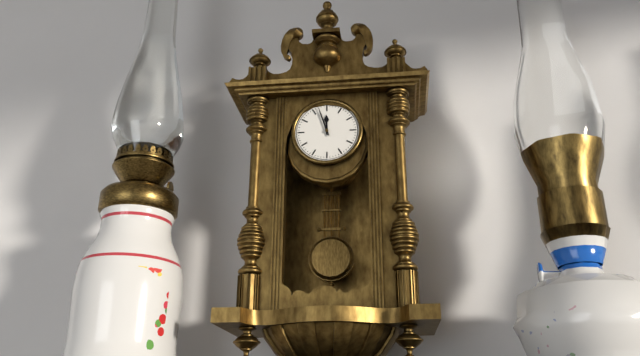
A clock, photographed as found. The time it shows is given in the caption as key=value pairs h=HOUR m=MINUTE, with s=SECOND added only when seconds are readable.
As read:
h=11 m=57
